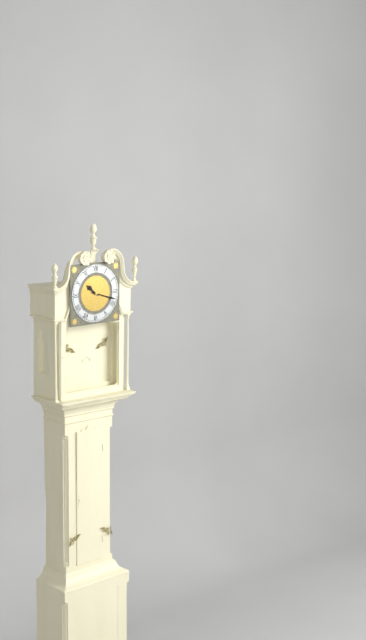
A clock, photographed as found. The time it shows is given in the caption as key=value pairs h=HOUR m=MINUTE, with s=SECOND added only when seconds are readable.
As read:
h=10 m=18
